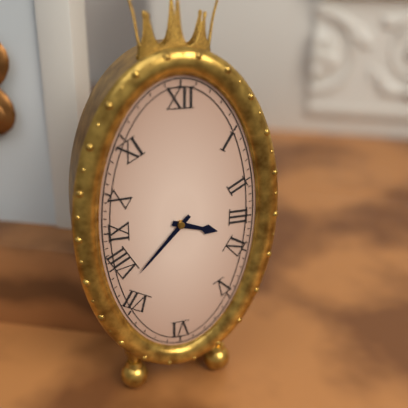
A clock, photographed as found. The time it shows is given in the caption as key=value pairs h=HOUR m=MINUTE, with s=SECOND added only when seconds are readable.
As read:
h=3 m=37
